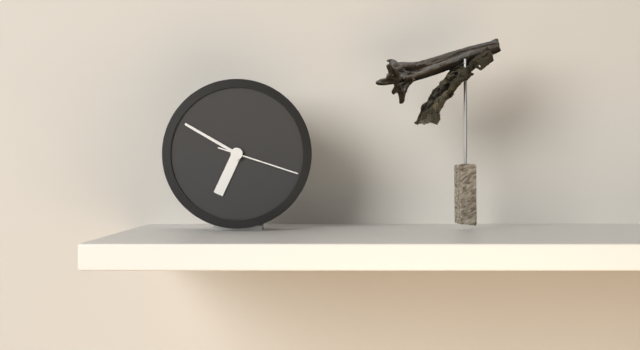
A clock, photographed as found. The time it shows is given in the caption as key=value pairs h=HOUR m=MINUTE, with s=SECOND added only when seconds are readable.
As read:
h=6 m=50 s=18
